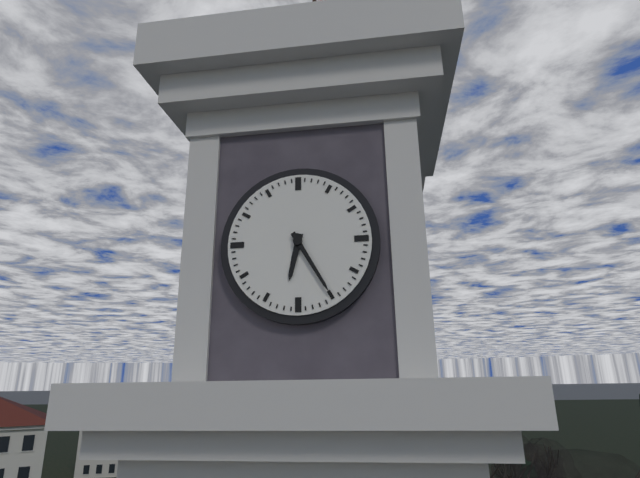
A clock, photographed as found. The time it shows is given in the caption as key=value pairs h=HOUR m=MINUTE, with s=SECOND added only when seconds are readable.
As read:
h=6 m=25
